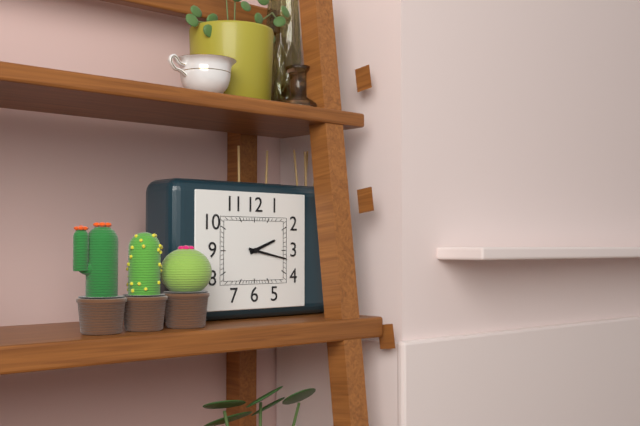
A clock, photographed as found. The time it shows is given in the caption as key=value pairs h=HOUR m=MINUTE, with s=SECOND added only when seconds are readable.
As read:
h=2 m=17
